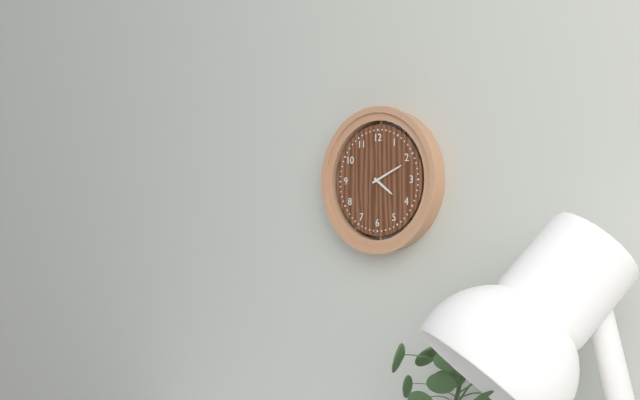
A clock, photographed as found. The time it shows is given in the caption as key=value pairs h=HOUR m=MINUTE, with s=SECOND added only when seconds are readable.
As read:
h=4 m=11
